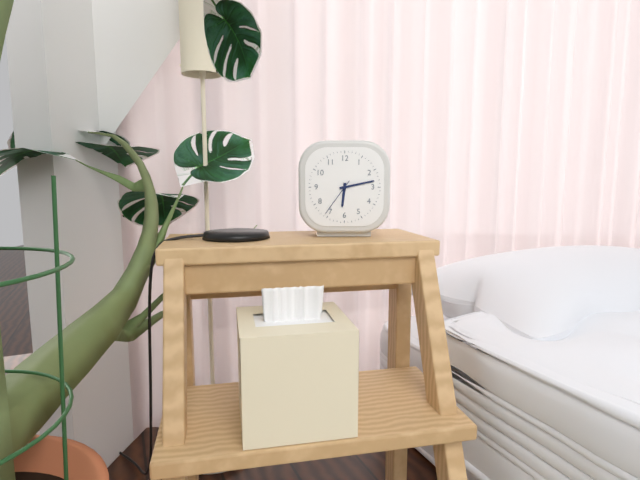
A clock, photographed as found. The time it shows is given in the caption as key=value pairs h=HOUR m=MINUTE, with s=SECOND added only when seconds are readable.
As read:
h=6 m=13
